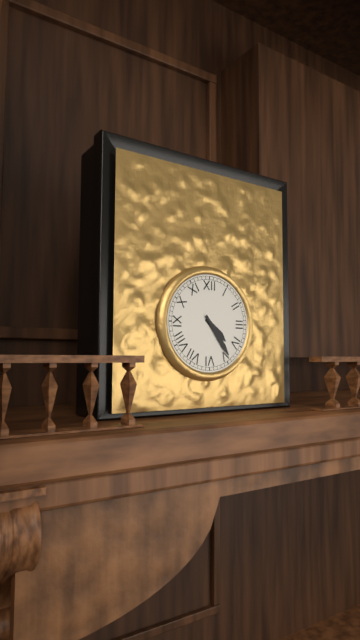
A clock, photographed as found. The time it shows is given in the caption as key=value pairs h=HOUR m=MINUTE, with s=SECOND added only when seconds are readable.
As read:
h=4 m=24
